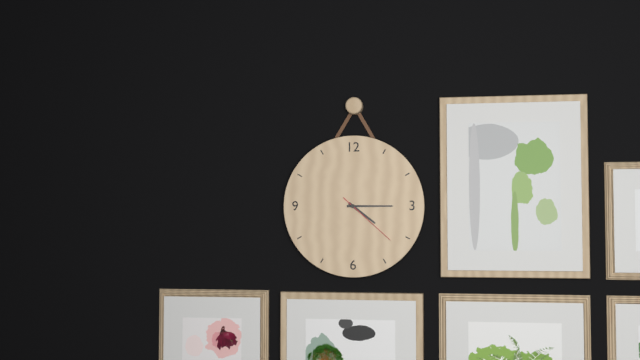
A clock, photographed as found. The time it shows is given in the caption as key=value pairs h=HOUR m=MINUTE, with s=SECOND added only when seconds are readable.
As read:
h=4 m=15 s=22
